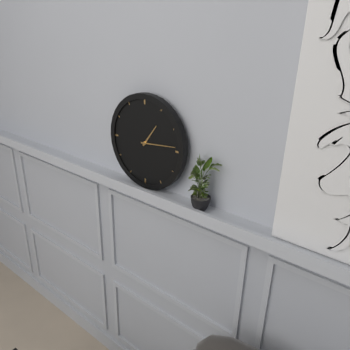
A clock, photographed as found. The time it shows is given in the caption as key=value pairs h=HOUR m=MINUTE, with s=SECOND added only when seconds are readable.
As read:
h=1 m=14
